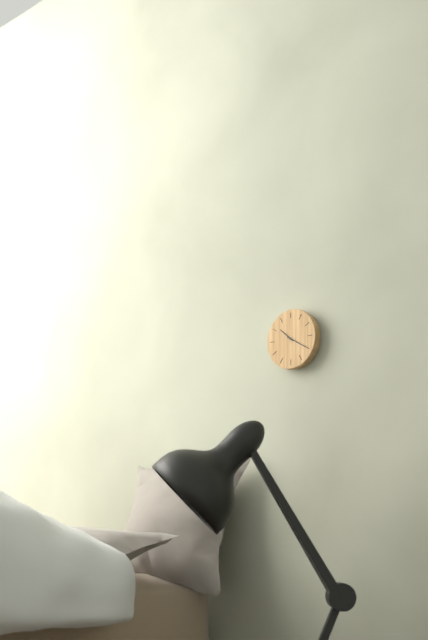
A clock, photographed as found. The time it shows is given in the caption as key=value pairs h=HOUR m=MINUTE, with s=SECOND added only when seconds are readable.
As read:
h=10 m=20
